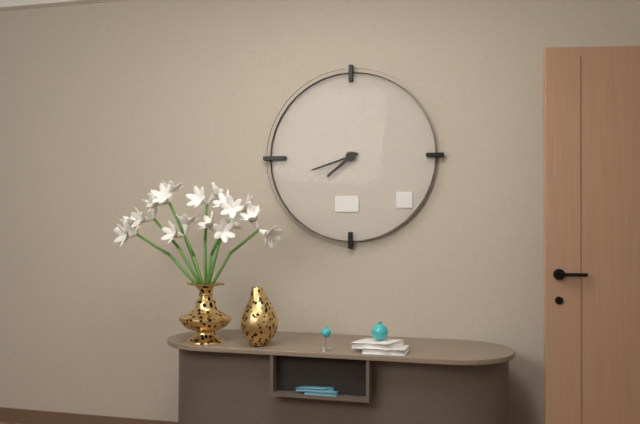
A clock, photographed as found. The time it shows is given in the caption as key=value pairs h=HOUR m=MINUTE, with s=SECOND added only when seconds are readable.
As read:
h=7 m=42
